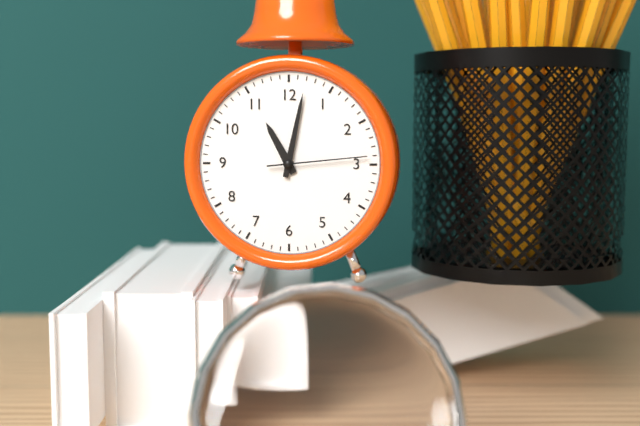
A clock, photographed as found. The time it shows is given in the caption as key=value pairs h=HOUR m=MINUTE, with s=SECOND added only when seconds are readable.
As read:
h=11 m=2 s=14
